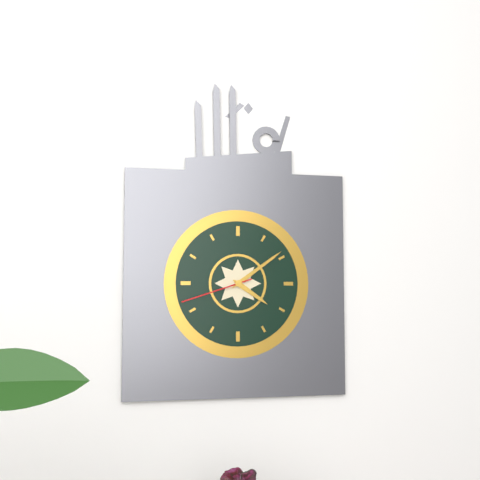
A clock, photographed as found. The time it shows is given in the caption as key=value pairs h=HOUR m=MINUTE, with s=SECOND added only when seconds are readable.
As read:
h=4 m=9 s=42
